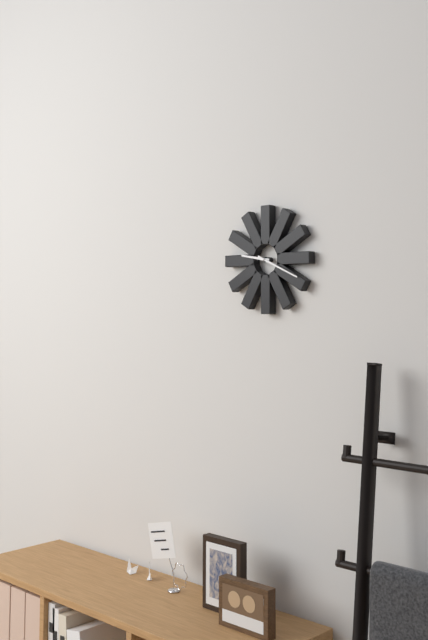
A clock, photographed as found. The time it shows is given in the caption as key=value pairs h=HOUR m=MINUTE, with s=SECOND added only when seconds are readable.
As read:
h=9 m=19
